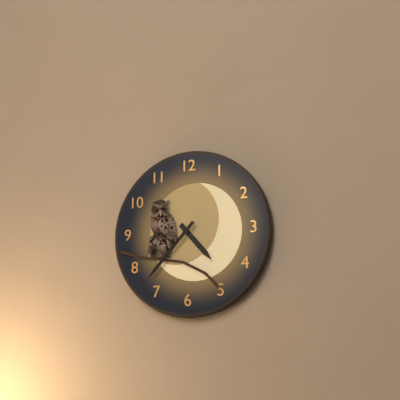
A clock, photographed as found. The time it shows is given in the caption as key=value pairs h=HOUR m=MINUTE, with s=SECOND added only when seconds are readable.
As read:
h=4 m=37
